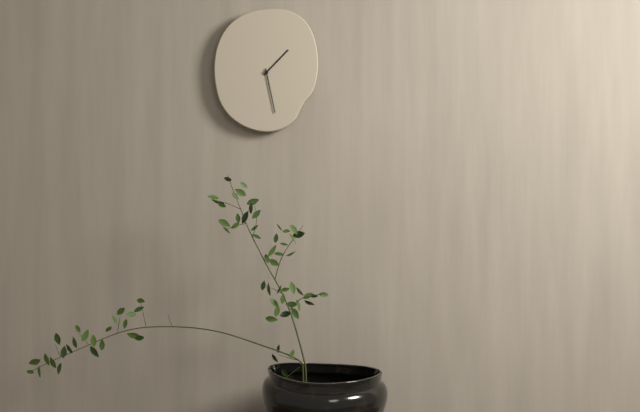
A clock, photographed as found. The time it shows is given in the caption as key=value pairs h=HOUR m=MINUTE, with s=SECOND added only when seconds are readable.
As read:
h=1 m=28
